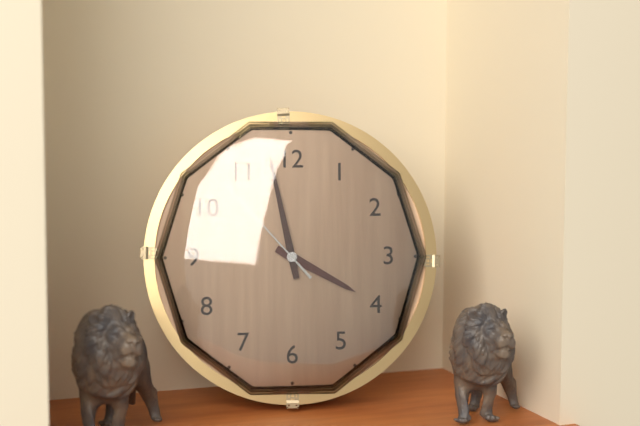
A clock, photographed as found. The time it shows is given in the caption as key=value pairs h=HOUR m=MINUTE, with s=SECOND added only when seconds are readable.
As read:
h=3 m=58 s=53
